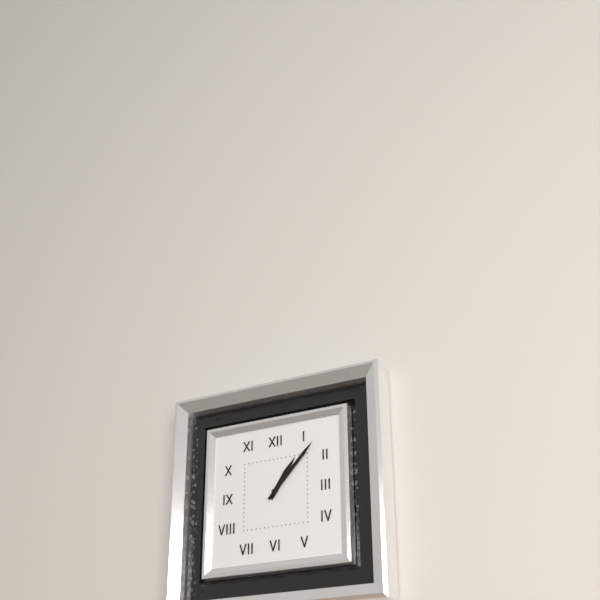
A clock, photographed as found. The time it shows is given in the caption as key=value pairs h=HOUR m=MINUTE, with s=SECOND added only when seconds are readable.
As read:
h=1 m=7
